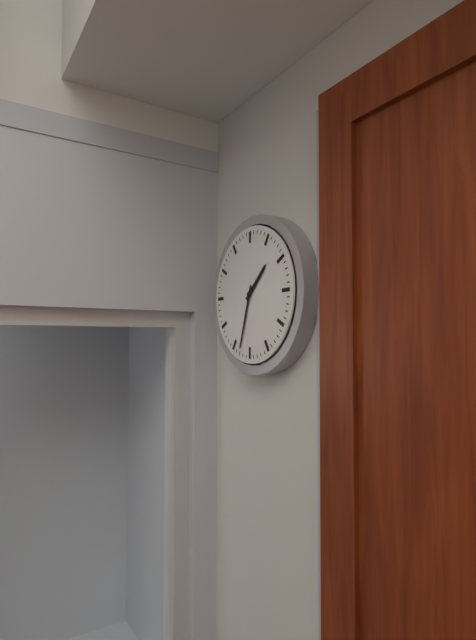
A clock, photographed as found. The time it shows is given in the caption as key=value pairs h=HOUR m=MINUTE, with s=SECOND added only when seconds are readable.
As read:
h=1 m=33
